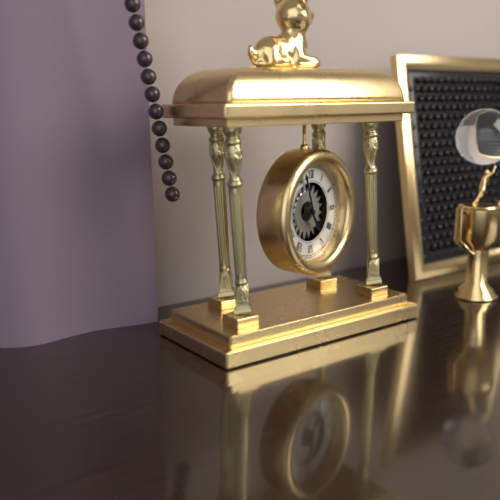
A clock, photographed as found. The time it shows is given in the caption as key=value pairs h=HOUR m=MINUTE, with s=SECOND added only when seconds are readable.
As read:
h=4 m=57
